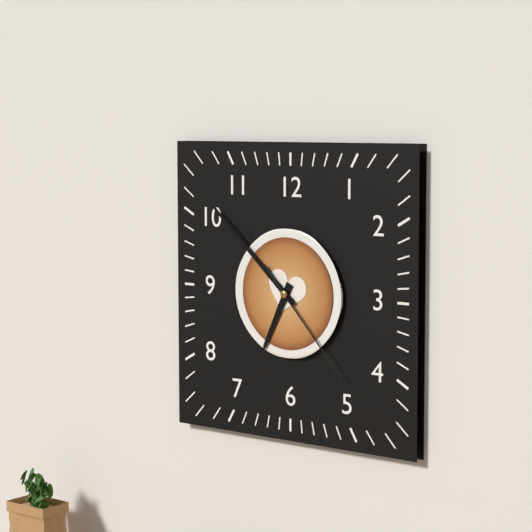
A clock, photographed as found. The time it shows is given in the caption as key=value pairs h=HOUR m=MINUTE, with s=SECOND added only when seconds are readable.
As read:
h=6 m=52 s=23
